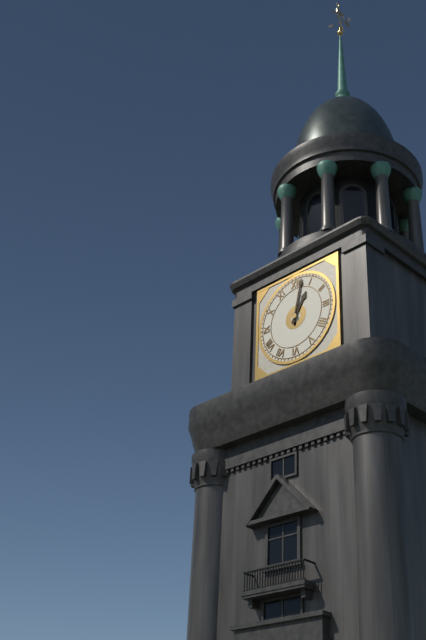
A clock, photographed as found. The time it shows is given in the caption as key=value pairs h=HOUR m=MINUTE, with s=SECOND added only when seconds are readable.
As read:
h=1 m=2
